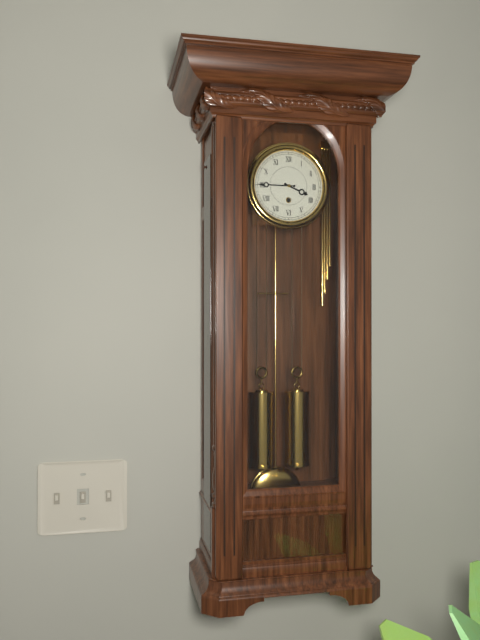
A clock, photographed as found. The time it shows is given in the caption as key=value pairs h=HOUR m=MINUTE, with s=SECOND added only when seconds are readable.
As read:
h=3 m=45
